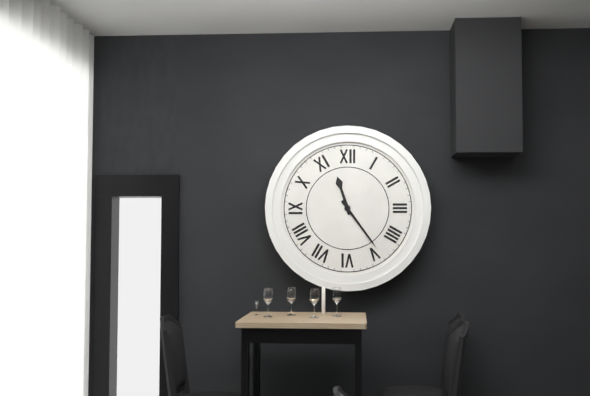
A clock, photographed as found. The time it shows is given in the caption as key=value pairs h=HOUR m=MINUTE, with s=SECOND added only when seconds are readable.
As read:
h=11 m=24
